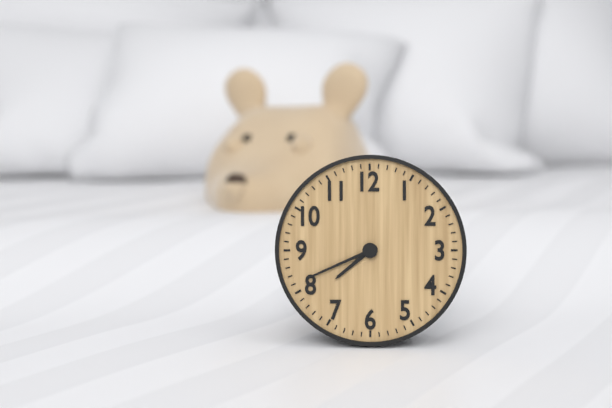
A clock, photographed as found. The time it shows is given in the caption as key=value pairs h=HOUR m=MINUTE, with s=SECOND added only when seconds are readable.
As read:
h=7 m=41
